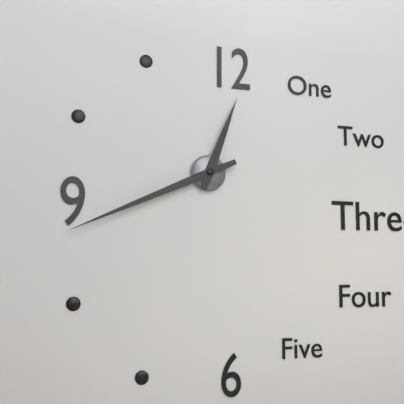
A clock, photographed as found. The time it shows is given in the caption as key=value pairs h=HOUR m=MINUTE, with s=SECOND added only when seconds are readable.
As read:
h=12 m=41
